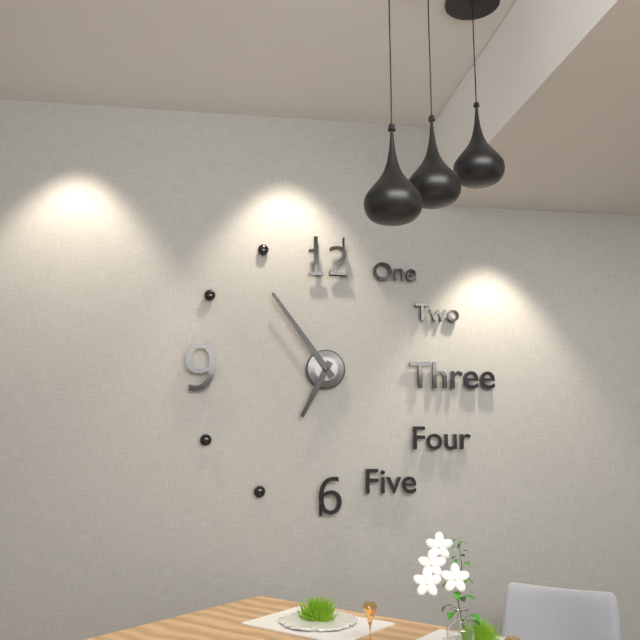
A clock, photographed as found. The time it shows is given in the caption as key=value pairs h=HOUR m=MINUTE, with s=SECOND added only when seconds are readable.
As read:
h=6 m=54
